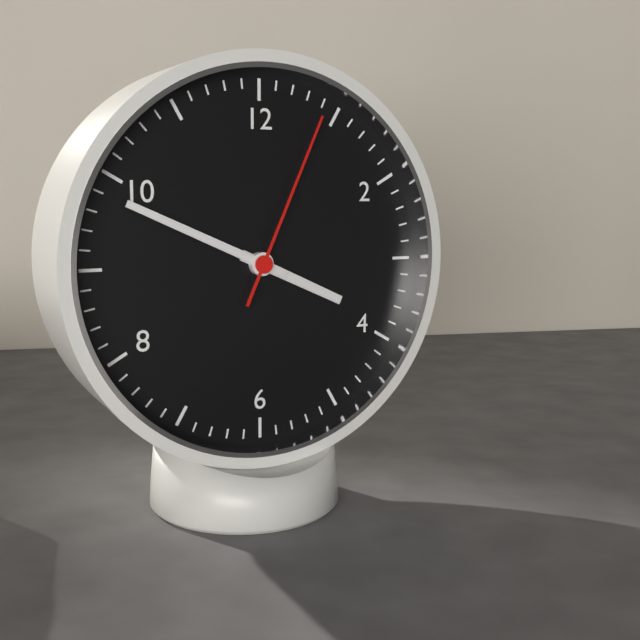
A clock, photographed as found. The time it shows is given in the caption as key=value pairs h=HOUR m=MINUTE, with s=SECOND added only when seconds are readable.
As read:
h=3 m=49 s=4
